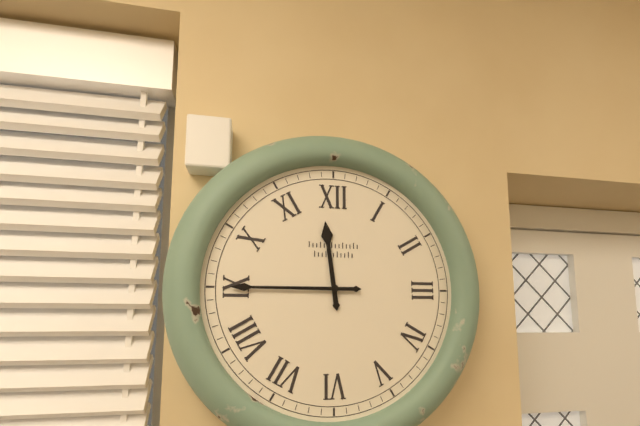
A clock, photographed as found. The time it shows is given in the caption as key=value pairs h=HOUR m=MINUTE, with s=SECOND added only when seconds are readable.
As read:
h=11 m=45
